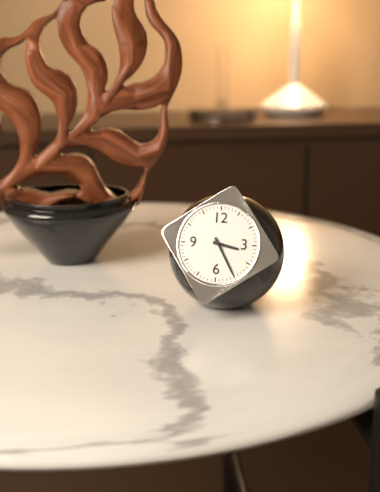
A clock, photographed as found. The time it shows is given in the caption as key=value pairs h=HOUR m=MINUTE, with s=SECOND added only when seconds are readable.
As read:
h=3 m=25
